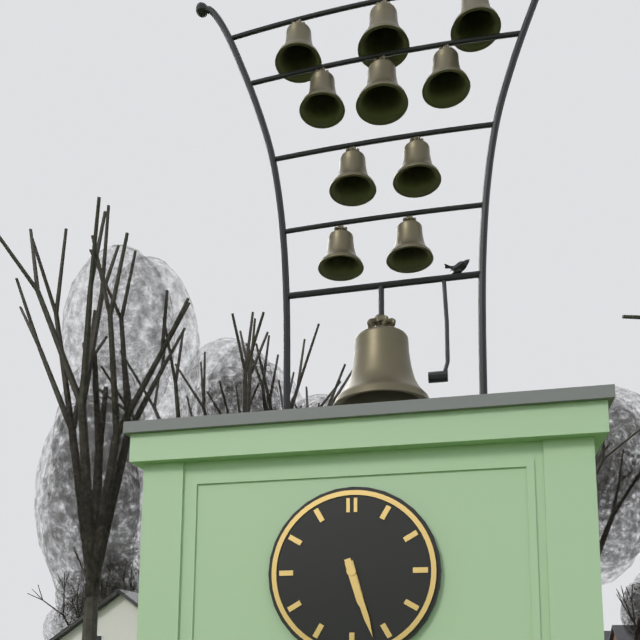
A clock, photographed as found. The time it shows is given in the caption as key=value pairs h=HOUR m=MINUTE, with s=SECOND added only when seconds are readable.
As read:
h=5 m=27
